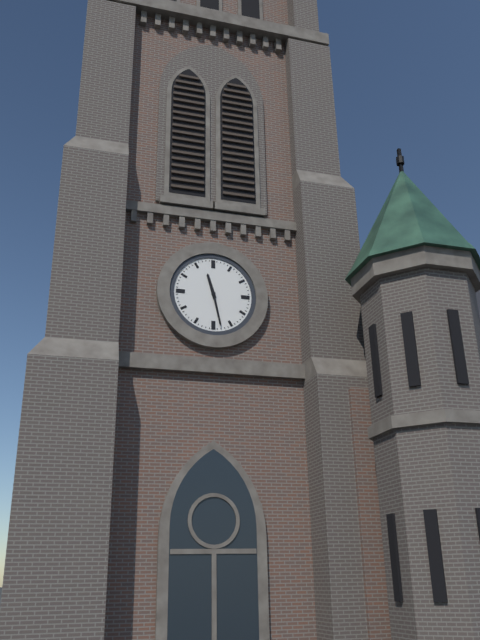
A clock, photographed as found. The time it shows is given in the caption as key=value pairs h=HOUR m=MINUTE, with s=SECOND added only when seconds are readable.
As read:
h=11 m=28
